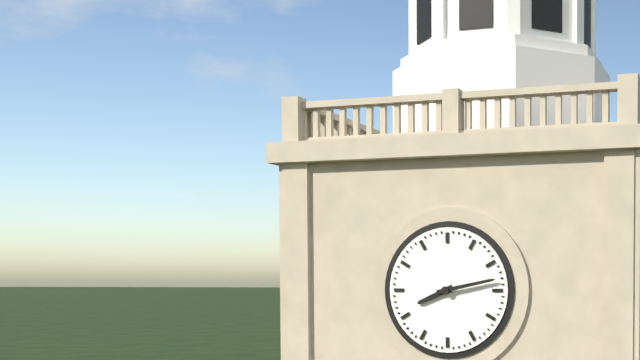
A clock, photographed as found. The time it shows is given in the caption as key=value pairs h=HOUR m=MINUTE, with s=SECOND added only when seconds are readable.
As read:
h=8 m=13
